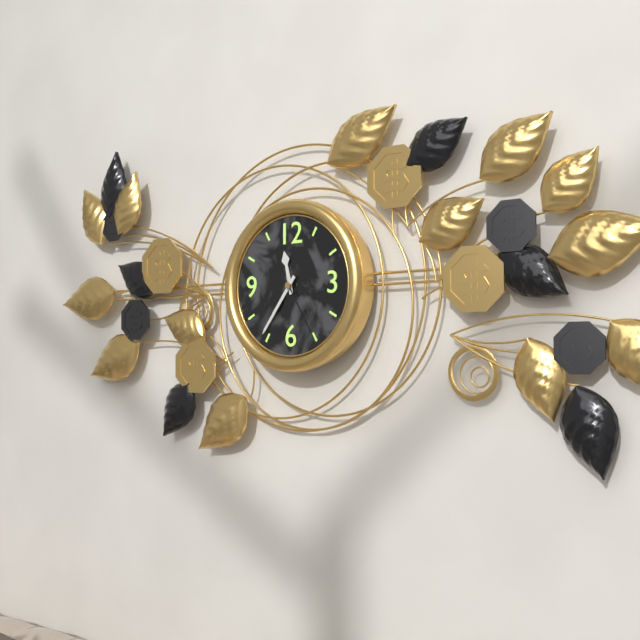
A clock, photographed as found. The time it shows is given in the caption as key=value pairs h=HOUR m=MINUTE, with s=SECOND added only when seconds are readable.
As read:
h=11 m=36 s=25
